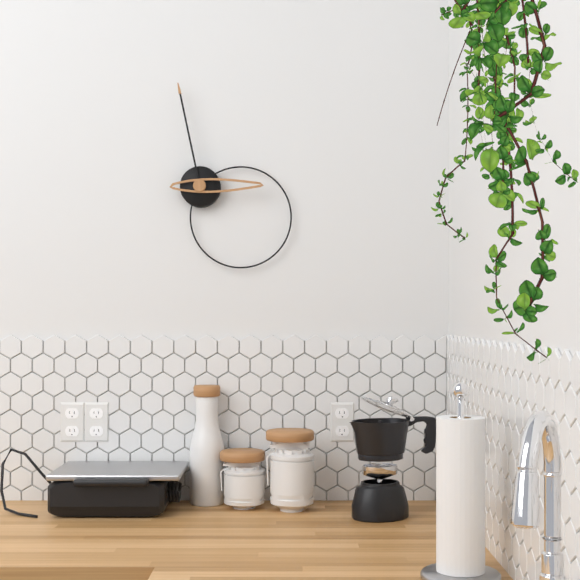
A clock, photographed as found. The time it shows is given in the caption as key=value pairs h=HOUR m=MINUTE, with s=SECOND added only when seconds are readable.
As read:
h=2 m=58
